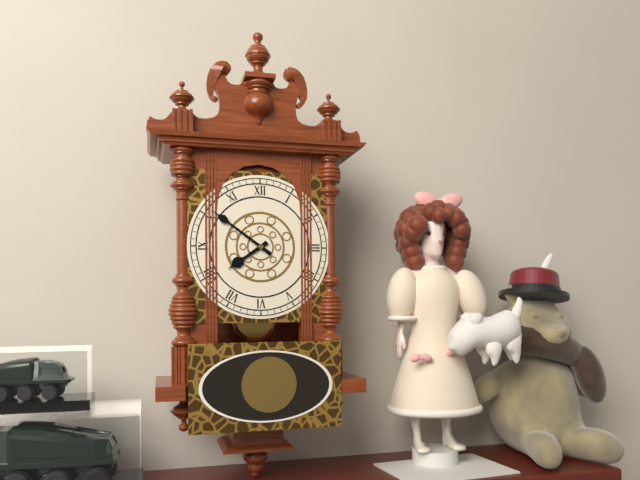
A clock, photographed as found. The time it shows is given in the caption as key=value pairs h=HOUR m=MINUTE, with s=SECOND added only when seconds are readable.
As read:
h=7 m=51
